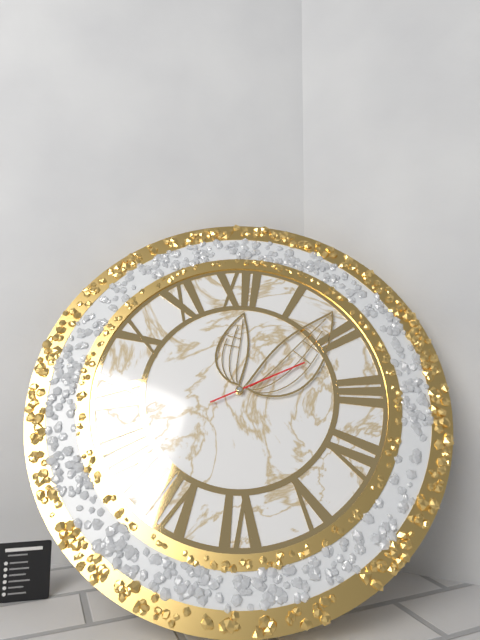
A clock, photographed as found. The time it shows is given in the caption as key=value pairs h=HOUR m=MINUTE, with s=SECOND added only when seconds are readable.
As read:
h=12 m=8 s=11
